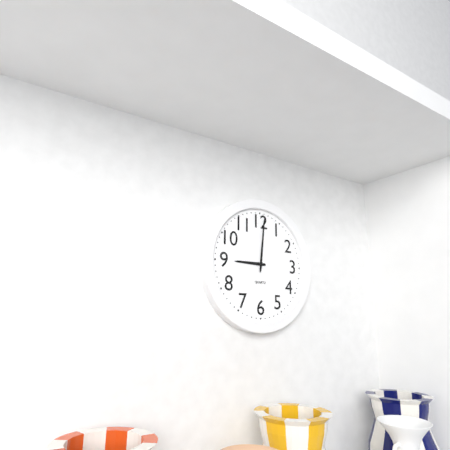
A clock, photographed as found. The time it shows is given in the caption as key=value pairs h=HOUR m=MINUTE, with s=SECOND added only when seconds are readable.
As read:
h=9 m=1
